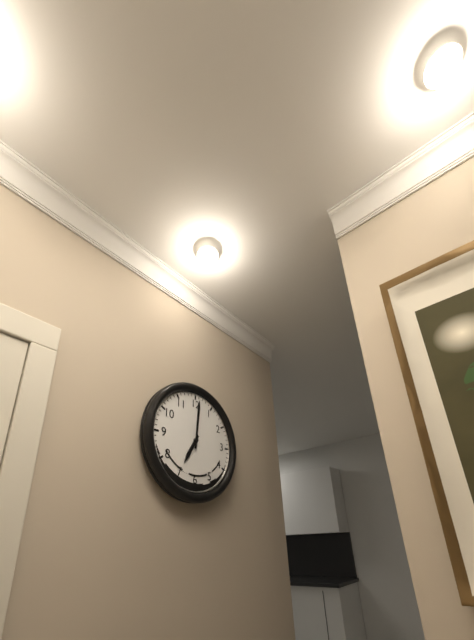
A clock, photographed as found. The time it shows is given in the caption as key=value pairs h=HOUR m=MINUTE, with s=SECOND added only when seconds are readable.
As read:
h=7 m=1
